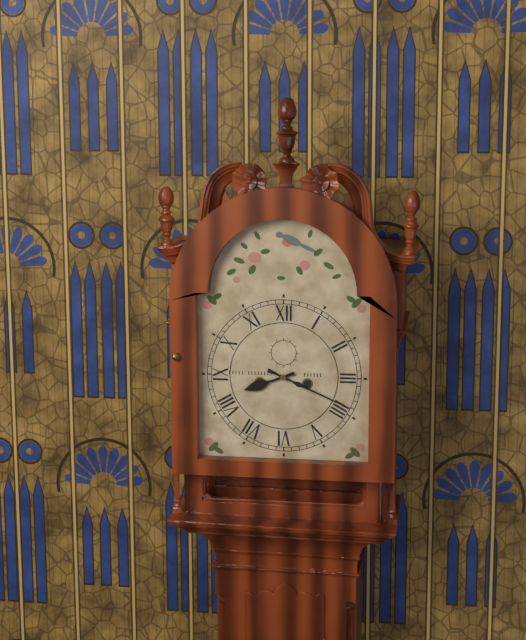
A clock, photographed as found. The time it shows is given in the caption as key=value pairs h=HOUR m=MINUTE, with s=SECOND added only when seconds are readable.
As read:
h=8 m=19
